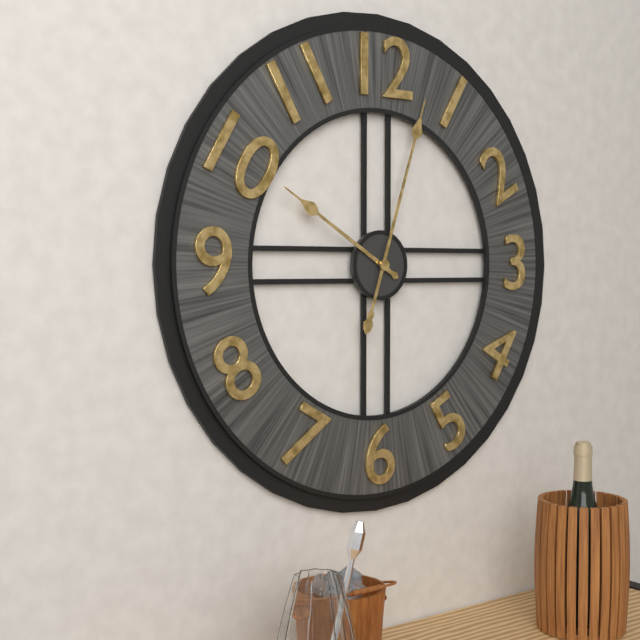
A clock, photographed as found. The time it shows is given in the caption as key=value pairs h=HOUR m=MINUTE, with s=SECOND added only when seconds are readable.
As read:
h=10 m=3
